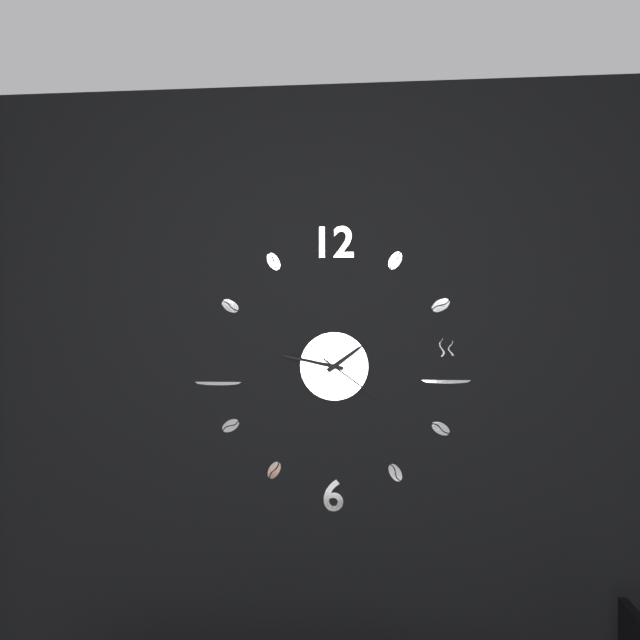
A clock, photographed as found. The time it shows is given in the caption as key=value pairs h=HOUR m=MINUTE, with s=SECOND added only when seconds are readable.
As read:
h=1 m=47 s=21
